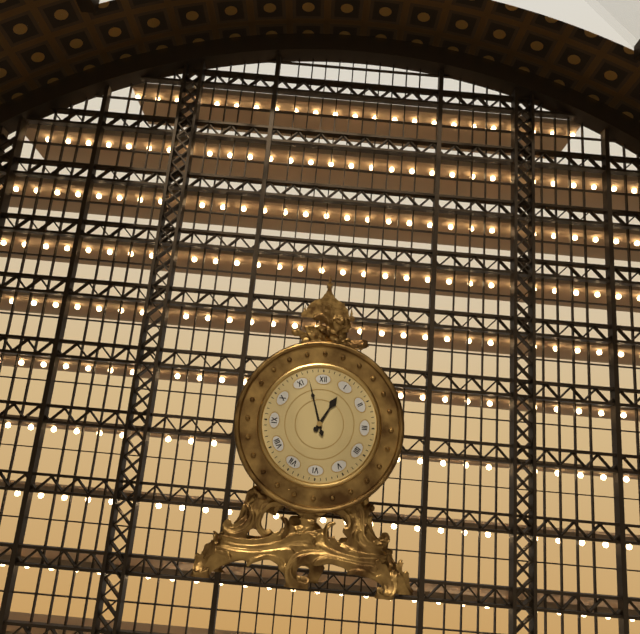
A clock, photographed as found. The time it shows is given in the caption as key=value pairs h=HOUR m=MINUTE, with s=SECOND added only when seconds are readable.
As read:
h=12 m=57
